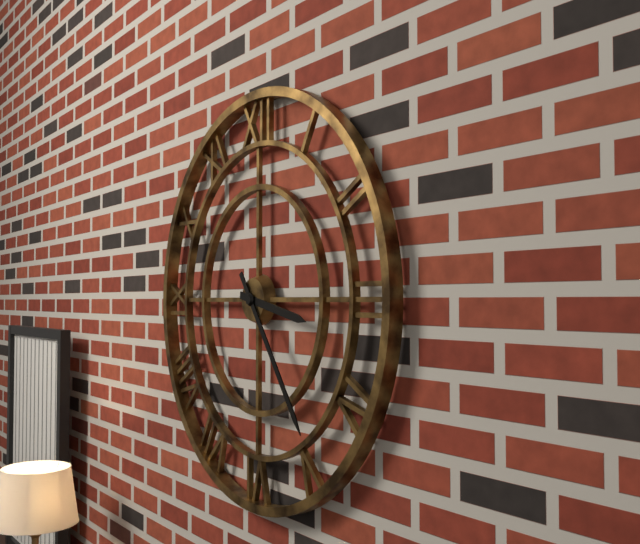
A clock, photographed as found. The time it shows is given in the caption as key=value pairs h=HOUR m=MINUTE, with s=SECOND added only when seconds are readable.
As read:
h=3 m=24
